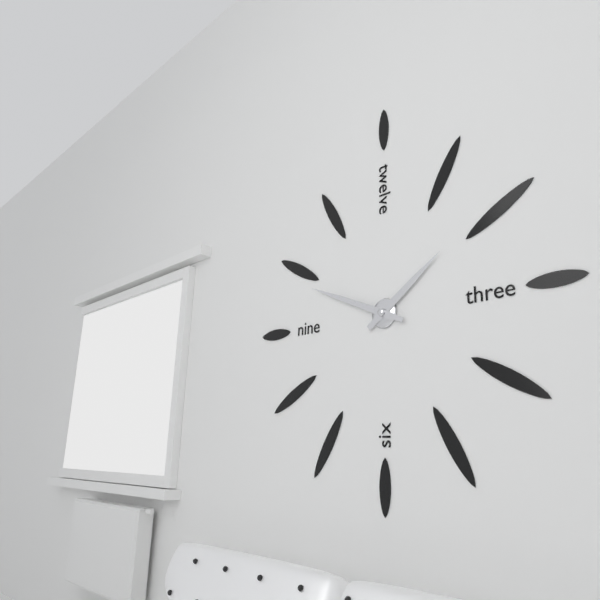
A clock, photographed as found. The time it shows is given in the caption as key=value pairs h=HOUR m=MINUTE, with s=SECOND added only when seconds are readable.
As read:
h=1 m=49
